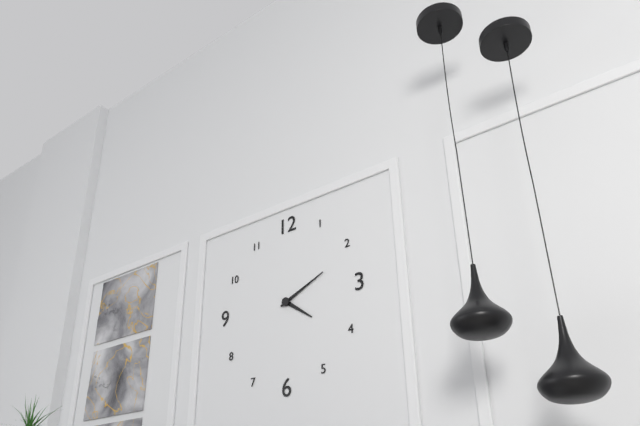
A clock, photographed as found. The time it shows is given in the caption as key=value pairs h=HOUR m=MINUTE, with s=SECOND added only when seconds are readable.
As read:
h=4 m=11
